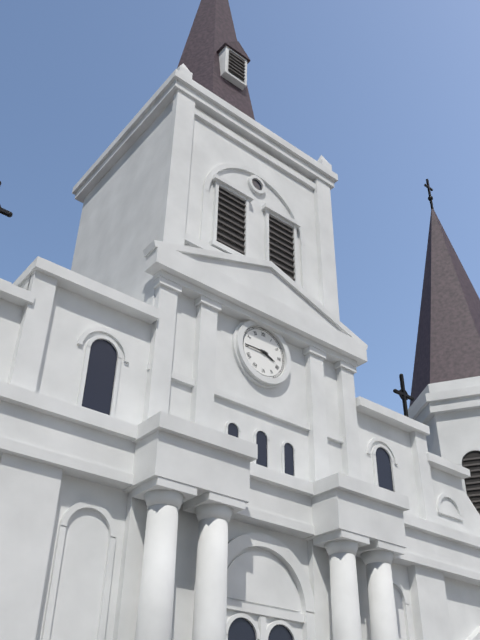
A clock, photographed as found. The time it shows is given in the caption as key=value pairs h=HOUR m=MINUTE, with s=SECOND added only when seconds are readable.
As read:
h=3 m=45
